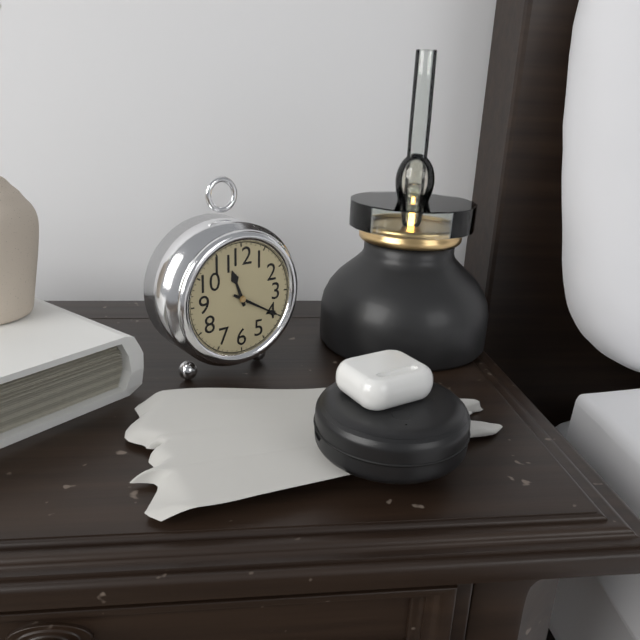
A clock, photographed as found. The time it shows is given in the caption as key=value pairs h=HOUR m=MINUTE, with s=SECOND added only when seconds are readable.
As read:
h=11 m=20
